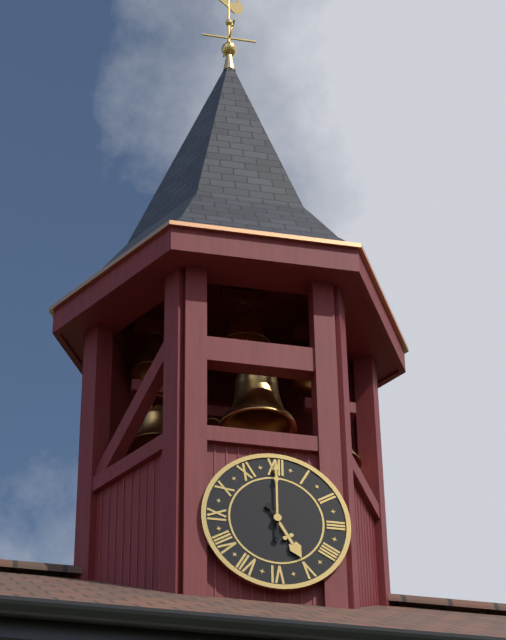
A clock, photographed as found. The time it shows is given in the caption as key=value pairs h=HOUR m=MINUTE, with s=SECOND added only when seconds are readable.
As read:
h=5 m=0
